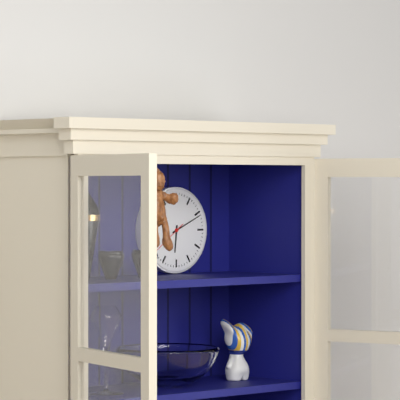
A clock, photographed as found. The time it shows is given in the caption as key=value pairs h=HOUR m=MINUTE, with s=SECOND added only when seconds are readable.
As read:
h=6 m=11
